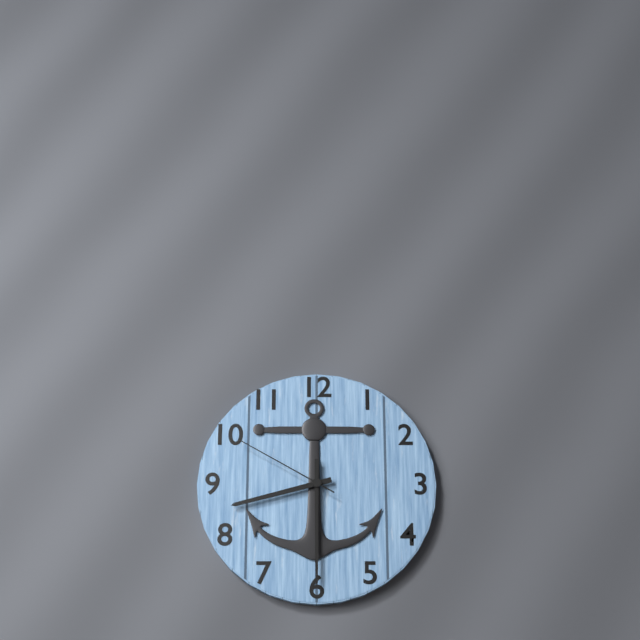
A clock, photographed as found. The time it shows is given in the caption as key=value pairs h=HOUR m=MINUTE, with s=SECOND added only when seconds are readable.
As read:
h=8 m=30 s=50
